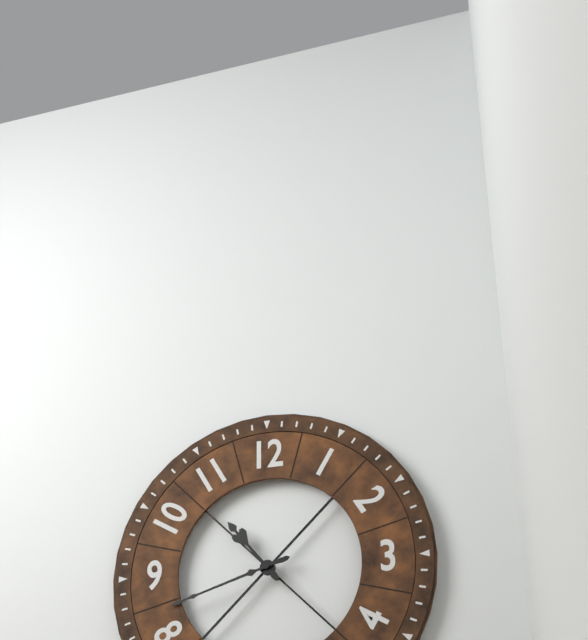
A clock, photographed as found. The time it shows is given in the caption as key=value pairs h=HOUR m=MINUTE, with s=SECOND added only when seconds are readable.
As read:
h=10 m=42
